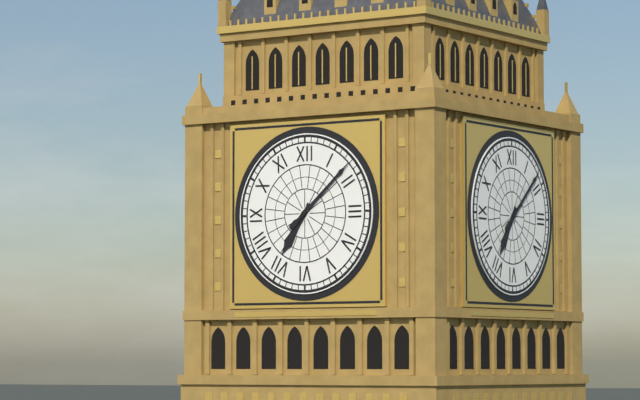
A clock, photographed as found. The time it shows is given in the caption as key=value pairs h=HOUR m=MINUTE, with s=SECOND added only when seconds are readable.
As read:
h=7 m=8
